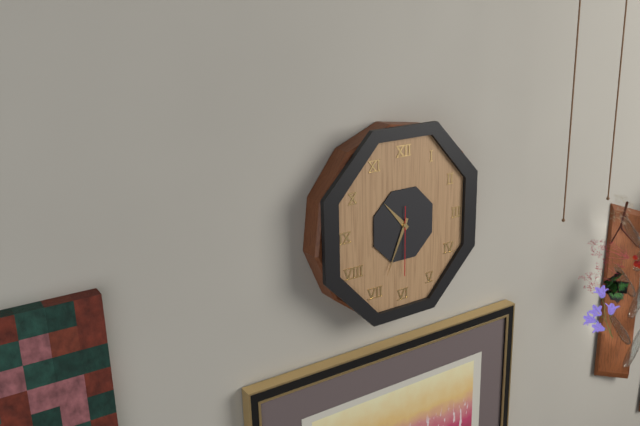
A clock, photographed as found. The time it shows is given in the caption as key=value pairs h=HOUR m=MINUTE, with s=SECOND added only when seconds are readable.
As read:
h=10 m=34 s=30
